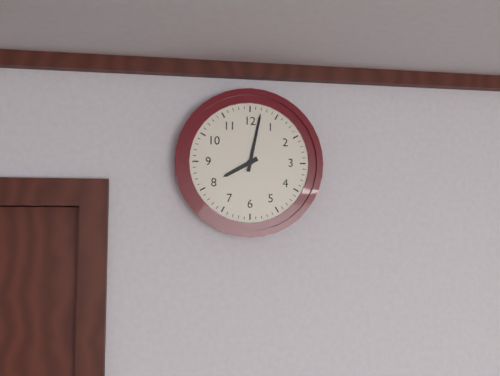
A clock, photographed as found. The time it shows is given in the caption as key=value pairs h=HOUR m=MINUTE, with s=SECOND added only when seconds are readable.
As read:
h=8 m=2
